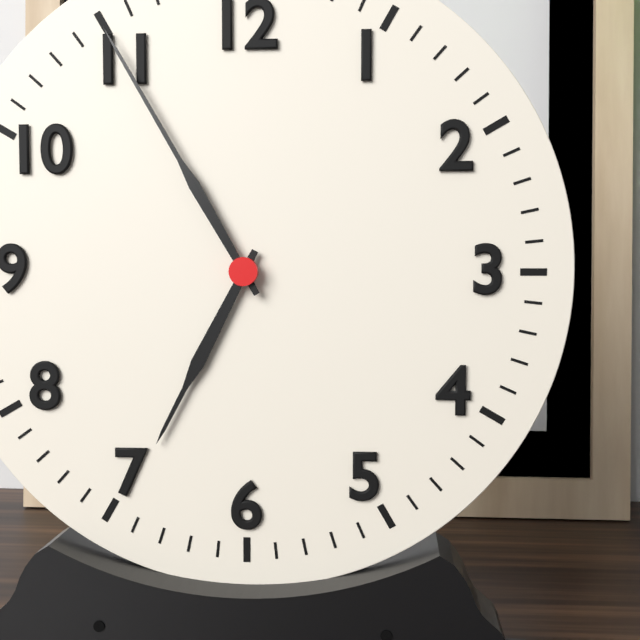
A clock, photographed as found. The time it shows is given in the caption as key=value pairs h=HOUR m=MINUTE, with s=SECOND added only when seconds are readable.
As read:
h=6 m=55
